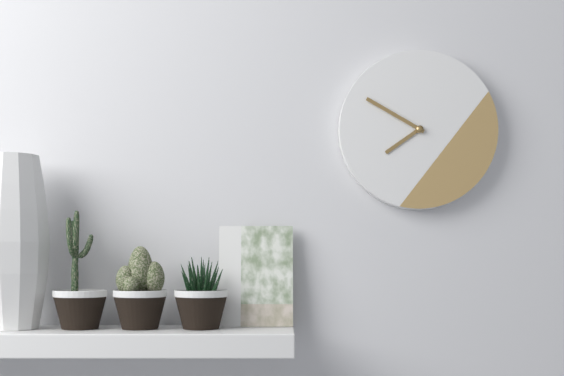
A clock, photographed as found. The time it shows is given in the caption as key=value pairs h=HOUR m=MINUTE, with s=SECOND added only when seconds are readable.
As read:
h=7 m=50
